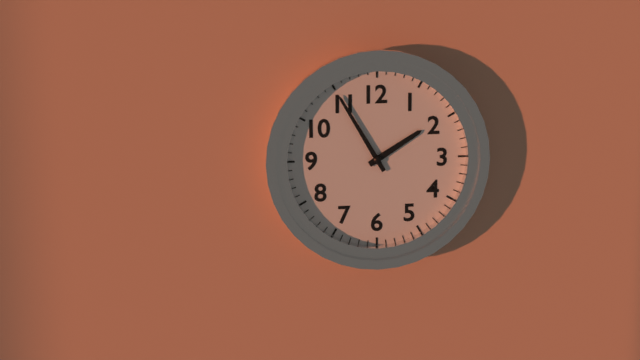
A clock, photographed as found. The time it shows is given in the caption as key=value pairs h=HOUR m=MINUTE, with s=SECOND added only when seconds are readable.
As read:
h=1 m=55
